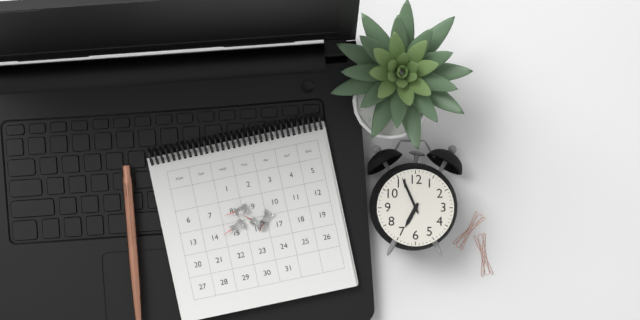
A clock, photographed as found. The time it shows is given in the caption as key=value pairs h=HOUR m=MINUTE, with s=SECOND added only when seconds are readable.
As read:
h=6 m=56
